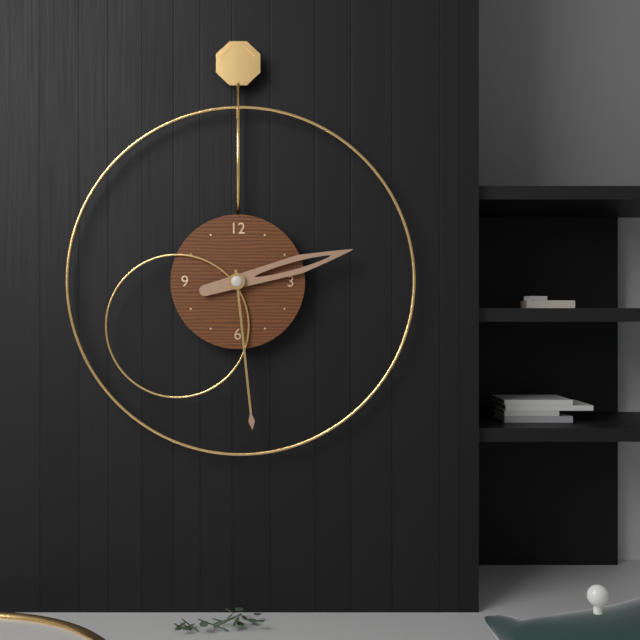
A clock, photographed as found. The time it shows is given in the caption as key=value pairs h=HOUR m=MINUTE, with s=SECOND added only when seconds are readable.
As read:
h=2 m=29
